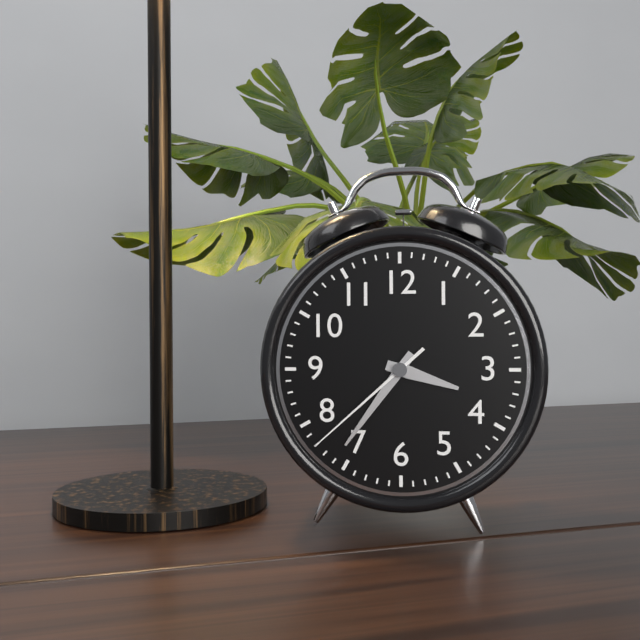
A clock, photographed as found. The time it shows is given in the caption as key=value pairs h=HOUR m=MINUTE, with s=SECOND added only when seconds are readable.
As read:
h=3 m=36 s=38
